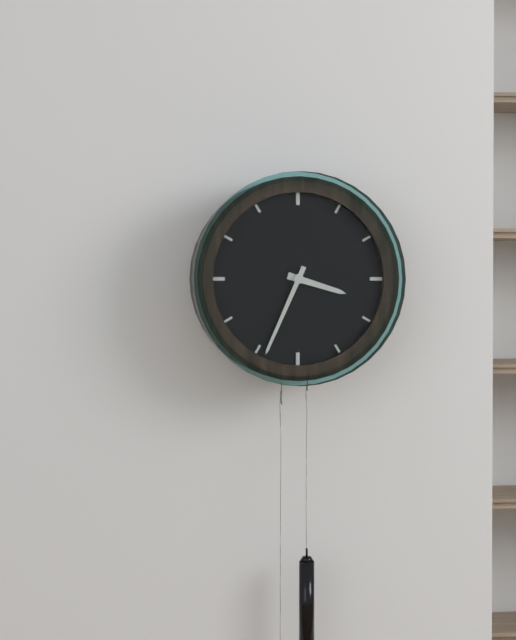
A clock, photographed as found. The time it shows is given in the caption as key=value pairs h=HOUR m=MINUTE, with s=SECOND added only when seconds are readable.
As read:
h=3 m=34
